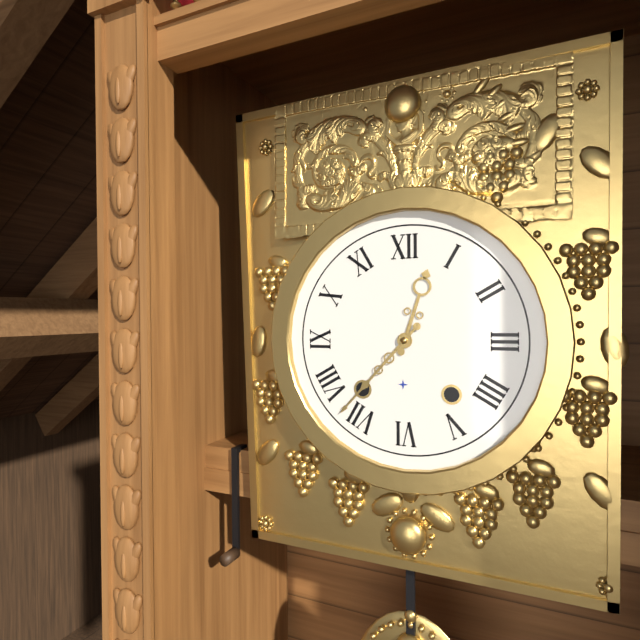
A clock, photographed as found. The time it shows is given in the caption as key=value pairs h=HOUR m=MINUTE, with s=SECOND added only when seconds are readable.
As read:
h=12 m=37
